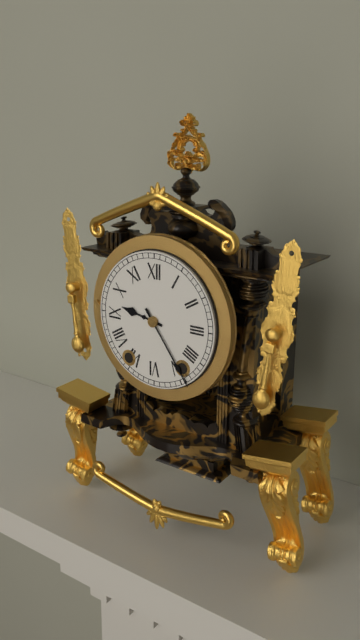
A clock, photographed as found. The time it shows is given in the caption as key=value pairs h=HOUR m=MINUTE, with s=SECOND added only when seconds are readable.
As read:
h=9 m=24
